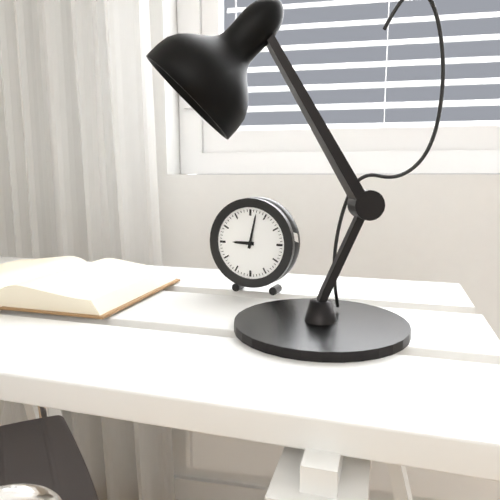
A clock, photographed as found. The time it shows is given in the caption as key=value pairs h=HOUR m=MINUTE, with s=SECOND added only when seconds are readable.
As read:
h=9 m=2
